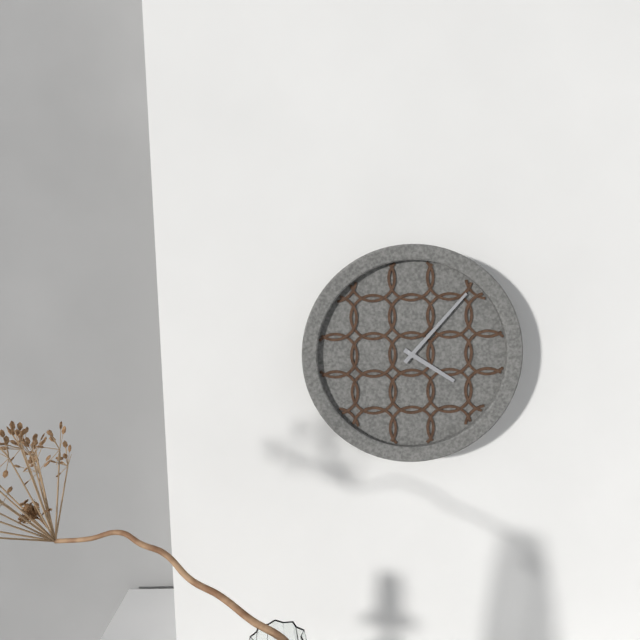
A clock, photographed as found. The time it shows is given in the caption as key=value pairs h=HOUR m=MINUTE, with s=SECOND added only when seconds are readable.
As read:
h=4 m=7
